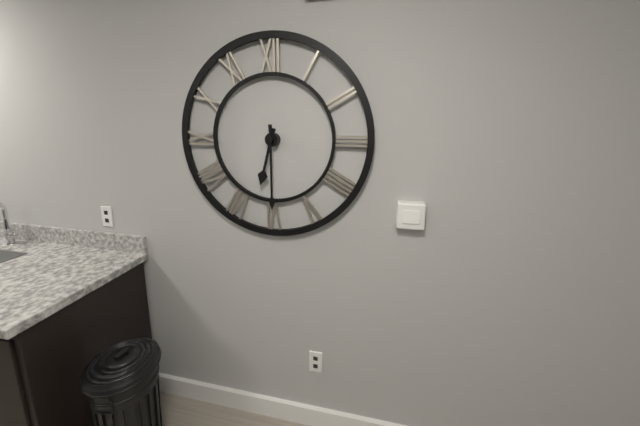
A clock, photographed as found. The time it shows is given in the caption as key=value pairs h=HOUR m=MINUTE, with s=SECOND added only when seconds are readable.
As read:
h=6 m=30
